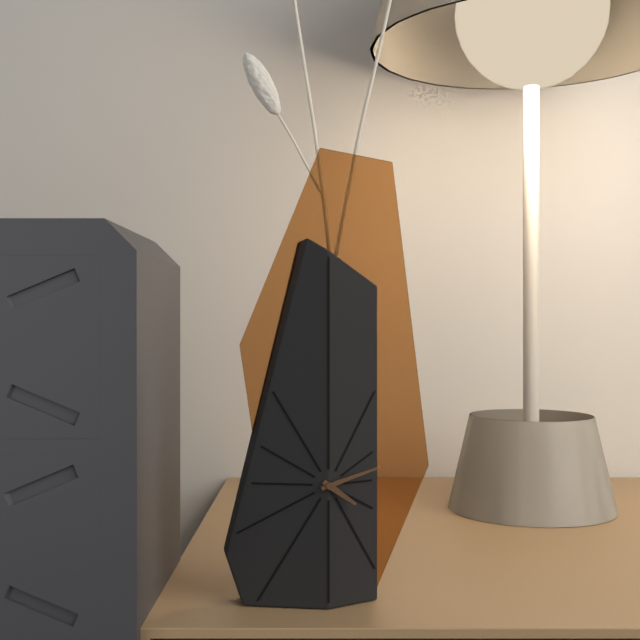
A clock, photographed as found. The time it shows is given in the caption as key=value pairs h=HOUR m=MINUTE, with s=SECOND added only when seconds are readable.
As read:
h=4 m=12
